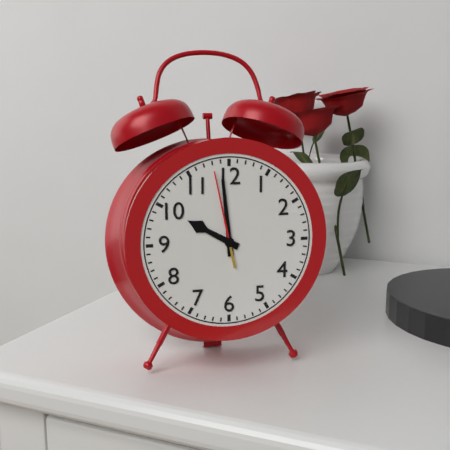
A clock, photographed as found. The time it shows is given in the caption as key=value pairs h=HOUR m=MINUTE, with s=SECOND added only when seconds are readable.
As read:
h=9 m=59 s=58
